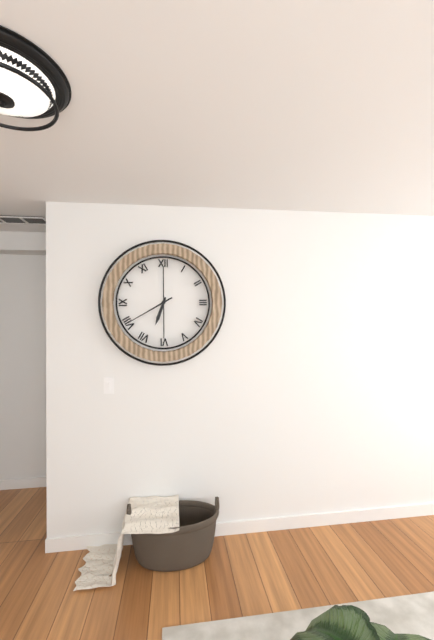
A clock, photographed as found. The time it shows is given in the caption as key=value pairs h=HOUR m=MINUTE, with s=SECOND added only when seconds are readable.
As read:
h=6 m=40
